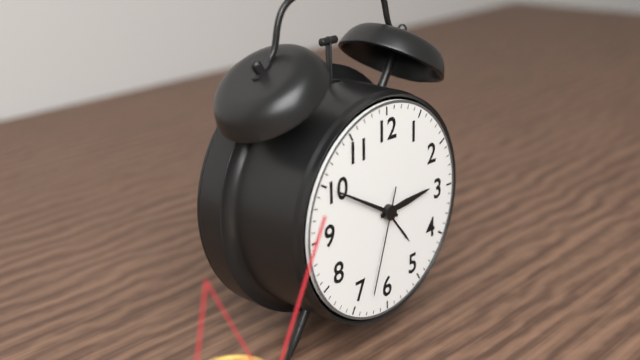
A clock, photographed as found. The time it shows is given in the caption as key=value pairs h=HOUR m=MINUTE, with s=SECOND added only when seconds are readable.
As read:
h=2 m=50 s=33
